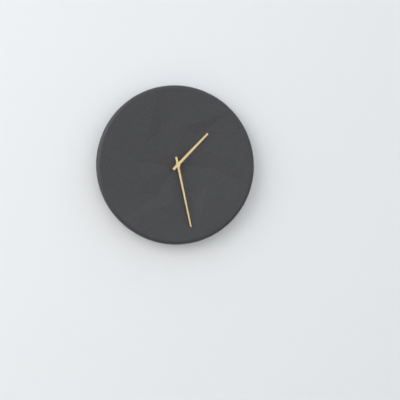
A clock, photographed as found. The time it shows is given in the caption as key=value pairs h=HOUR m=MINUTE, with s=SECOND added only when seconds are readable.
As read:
h=1 m=28
